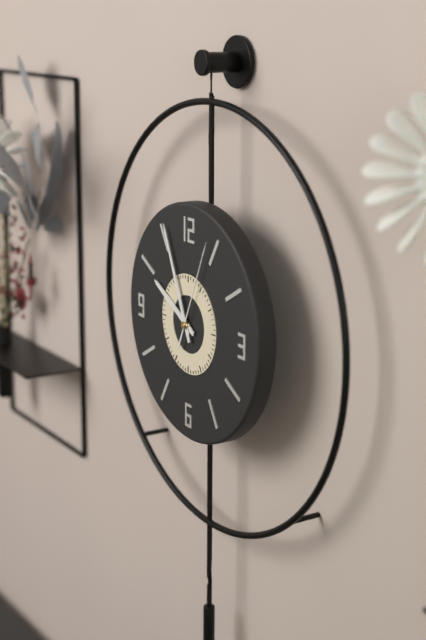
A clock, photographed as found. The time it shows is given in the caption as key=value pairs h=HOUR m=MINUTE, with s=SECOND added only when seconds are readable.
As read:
h=9 m=56 s=4
